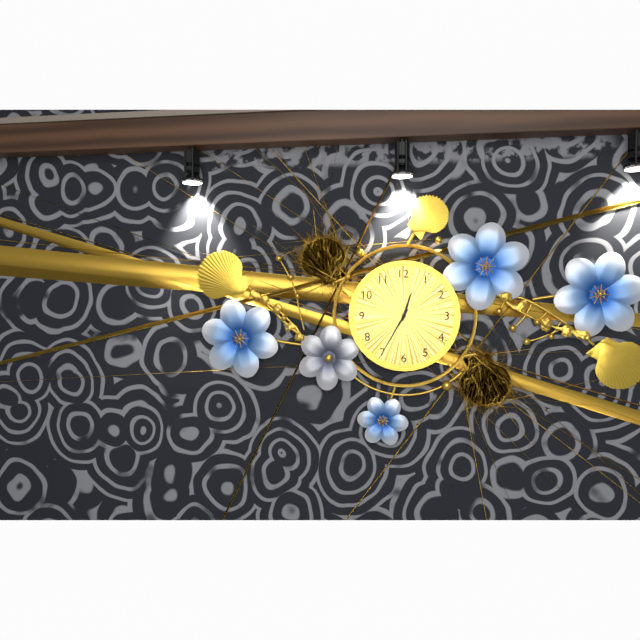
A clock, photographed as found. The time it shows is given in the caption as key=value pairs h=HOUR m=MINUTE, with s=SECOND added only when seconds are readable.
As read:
h=12 m=35
